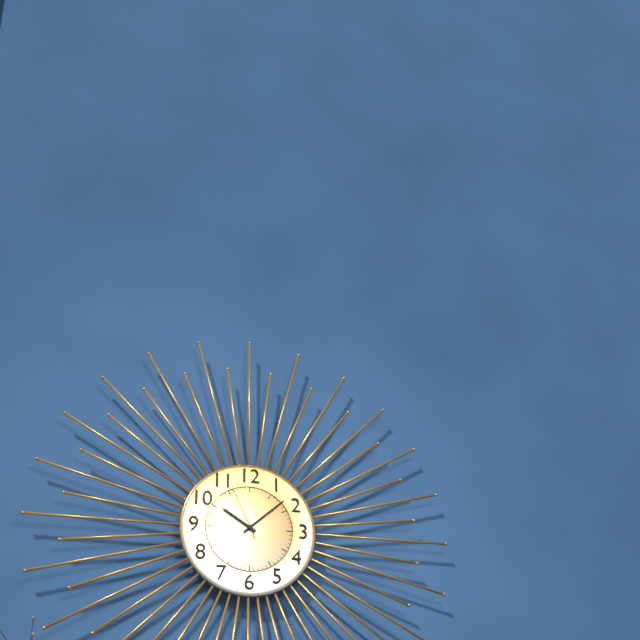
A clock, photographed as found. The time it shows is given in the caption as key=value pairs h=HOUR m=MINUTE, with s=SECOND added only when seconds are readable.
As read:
h=10 m=8 s=56
